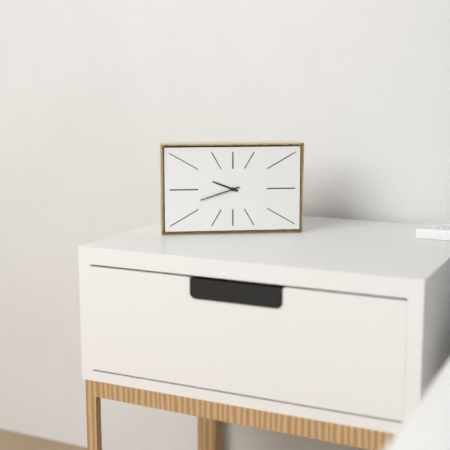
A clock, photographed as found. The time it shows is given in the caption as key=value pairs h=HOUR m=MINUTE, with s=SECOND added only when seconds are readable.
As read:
h=9 m=42
